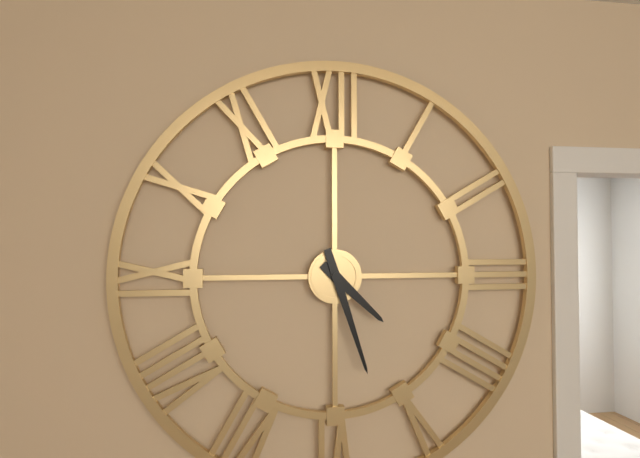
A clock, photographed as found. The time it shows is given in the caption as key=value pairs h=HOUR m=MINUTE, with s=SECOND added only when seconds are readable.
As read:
h=4 m=27
